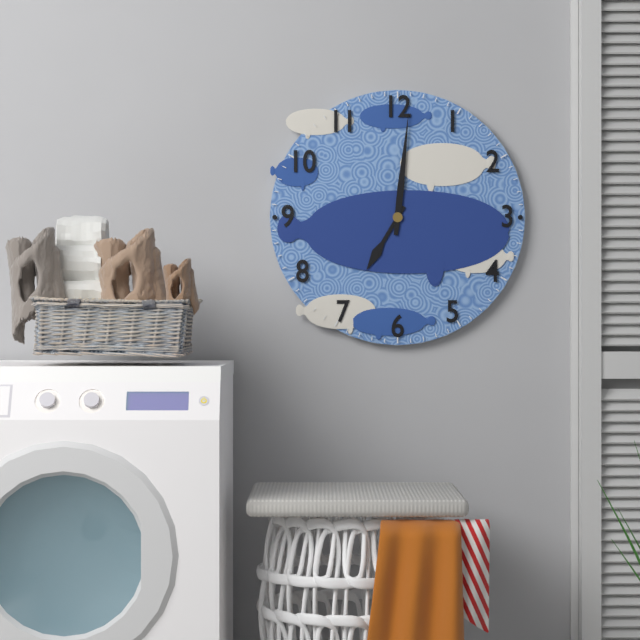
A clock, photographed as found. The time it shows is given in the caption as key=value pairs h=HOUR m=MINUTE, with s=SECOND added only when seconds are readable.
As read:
h=7 m=1
